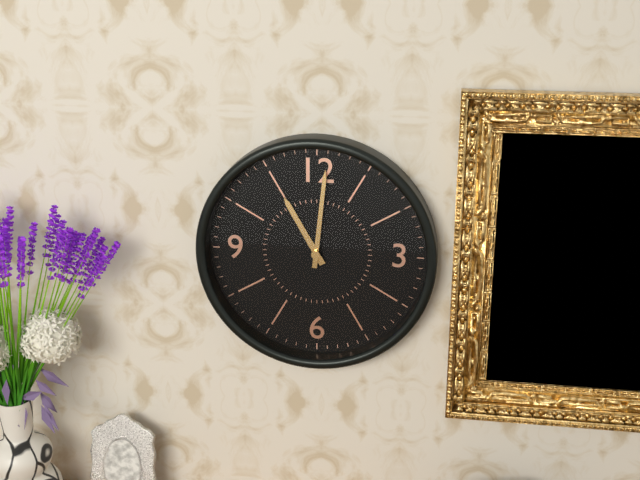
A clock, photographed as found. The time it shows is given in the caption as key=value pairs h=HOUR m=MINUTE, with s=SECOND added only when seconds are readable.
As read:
h=11 m=1
